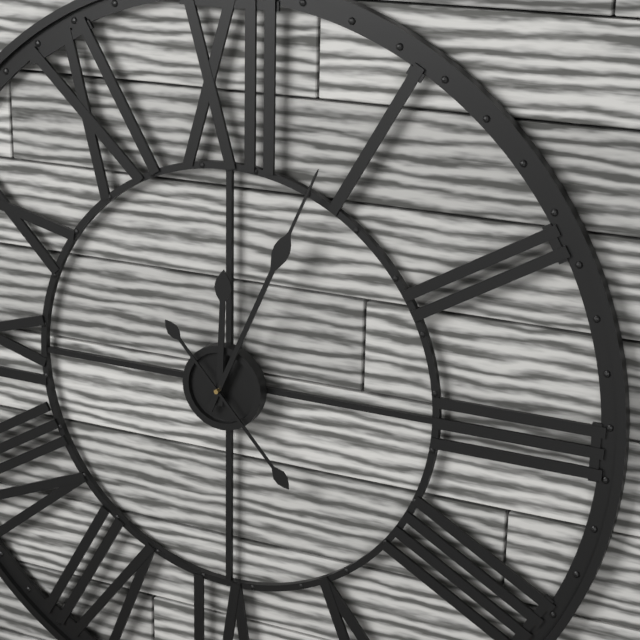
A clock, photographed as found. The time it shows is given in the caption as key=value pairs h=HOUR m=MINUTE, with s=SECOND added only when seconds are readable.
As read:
h=12 m=4 s=23
